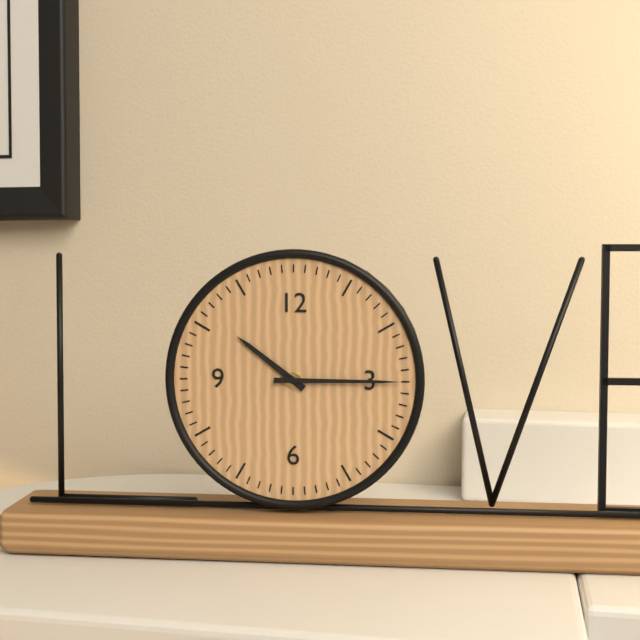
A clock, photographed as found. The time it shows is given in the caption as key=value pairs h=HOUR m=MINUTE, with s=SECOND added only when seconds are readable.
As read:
h=10 m=15
